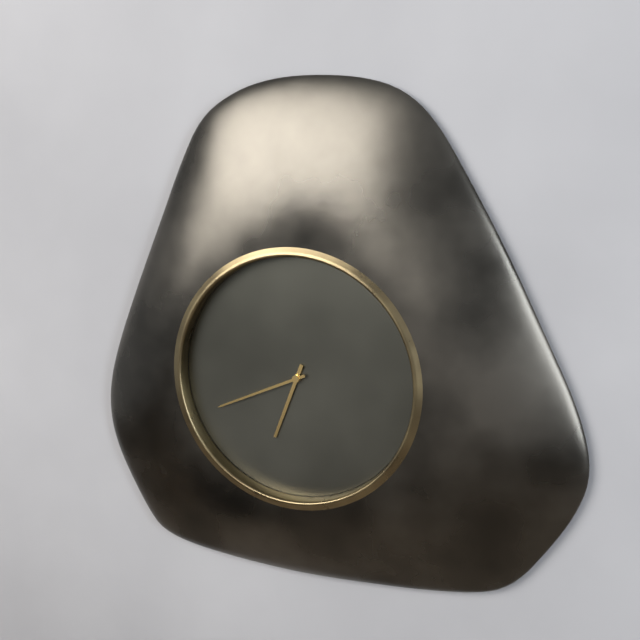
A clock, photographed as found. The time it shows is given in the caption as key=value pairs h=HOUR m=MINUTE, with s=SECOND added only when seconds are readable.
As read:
h=6 m=41
